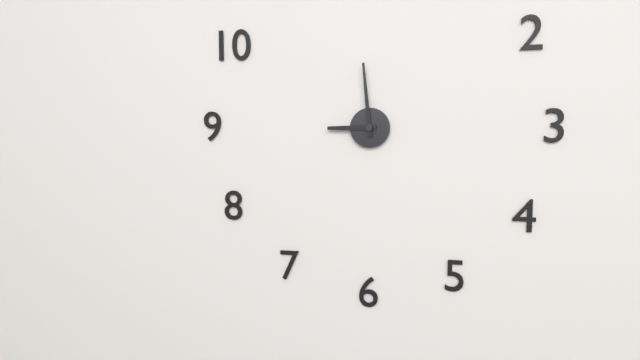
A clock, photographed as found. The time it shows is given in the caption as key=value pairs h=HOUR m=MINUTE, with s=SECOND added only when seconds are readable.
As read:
h=8 m=59
